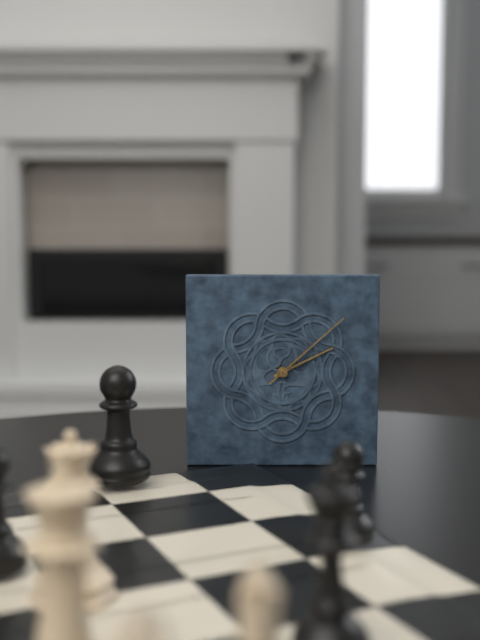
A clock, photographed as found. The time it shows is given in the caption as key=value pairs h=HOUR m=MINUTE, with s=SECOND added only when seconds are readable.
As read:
h=2 m=8
